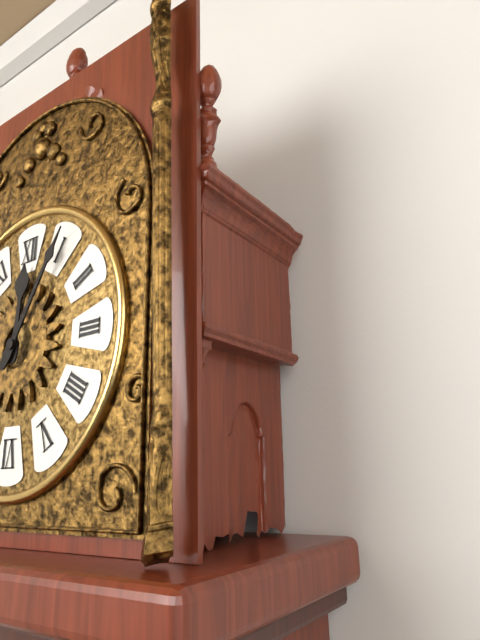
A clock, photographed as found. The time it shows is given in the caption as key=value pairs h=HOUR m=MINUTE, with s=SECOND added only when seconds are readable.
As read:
h=12 m=5
